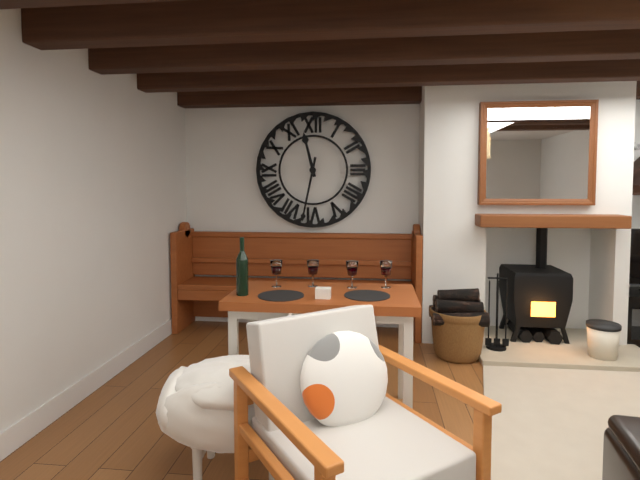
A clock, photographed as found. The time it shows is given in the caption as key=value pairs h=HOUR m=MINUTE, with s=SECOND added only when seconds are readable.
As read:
h=11 m=32
